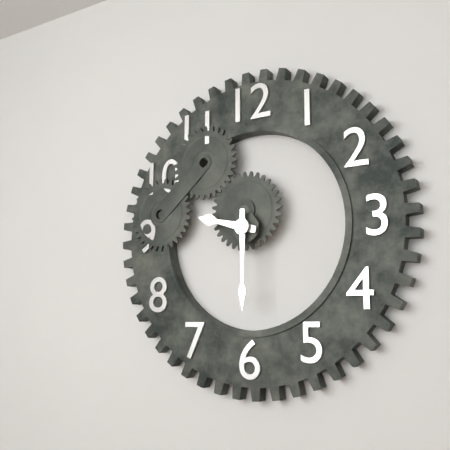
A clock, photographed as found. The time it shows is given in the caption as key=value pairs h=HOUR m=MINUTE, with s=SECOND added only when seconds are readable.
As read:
h=9 m=30
